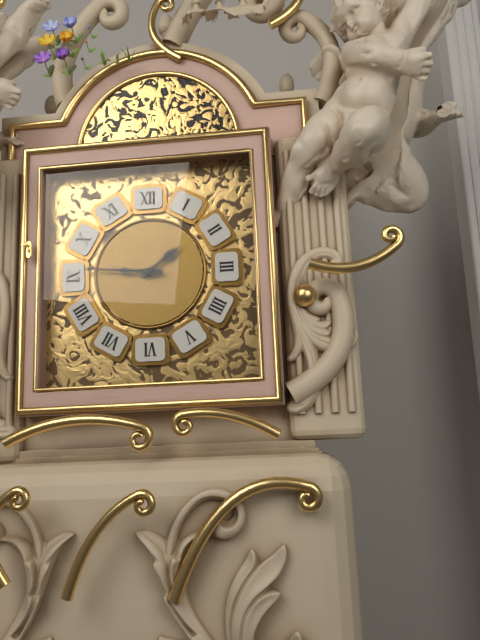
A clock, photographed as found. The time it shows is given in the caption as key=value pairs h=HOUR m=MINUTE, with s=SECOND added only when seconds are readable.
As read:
h=1 m=46
